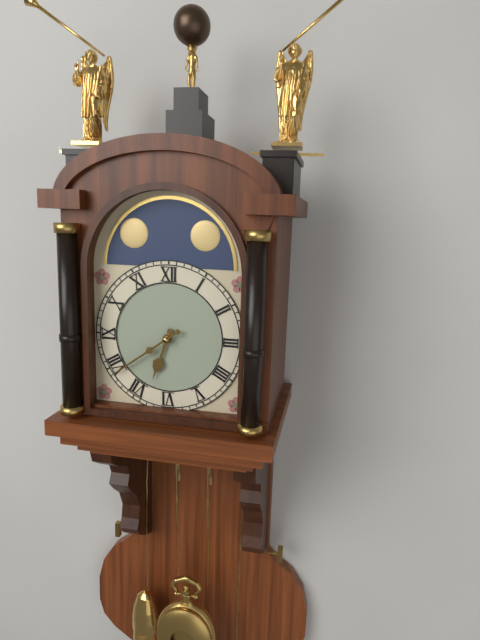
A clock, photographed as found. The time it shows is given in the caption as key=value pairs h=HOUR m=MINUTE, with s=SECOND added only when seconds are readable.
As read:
h=6 m=39
